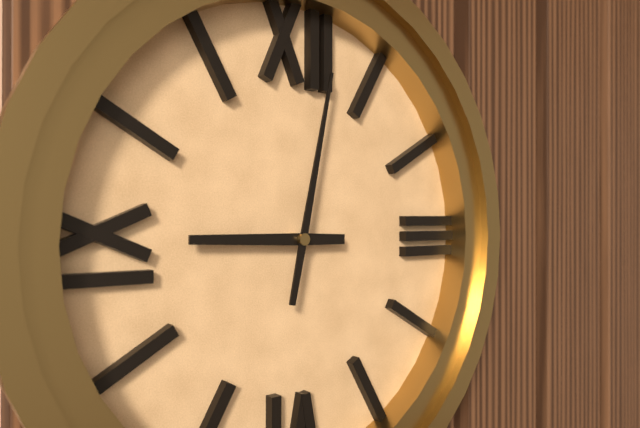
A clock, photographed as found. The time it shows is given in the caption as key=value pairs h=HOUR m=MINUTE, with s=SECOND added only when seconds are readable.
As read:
h=9 m=2
